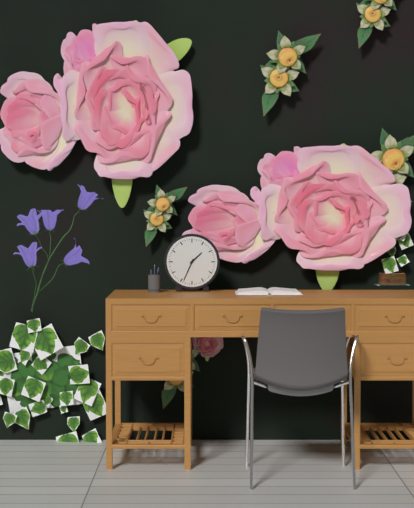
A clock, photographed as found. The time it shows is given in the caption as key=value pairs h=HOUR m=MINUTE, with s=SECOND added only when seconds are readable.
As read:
h=1 m=34
